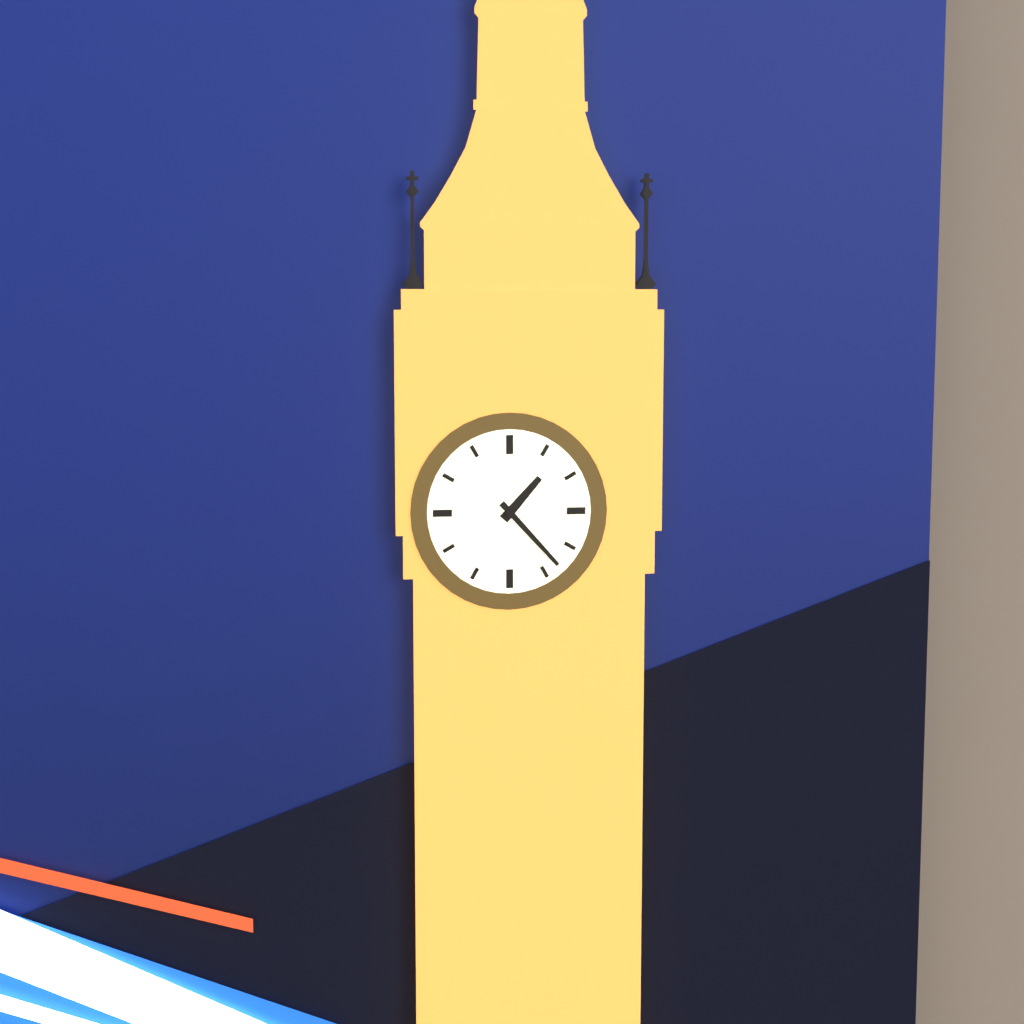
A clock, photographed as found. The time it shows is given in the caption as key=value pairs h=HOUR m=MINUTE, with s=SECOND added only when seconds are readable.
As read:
h=1 m=23
